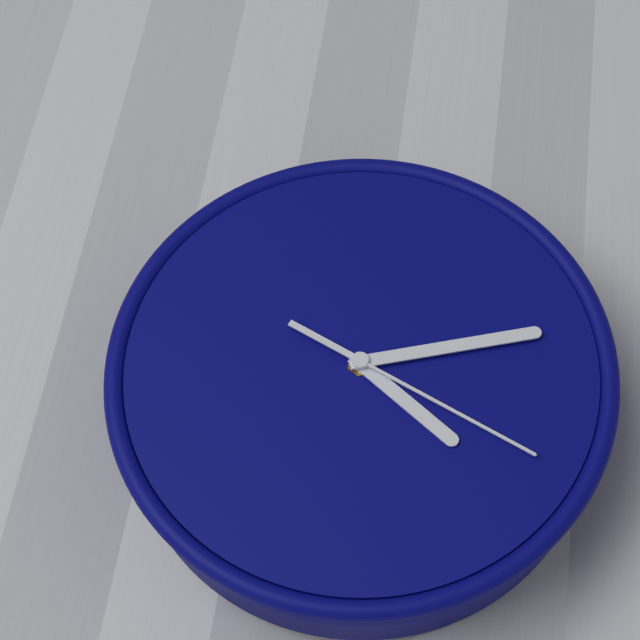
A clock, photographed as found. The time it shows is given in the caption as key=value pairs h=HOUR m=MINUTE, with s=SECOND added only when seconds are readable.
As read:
h=4 m=12 s=19
